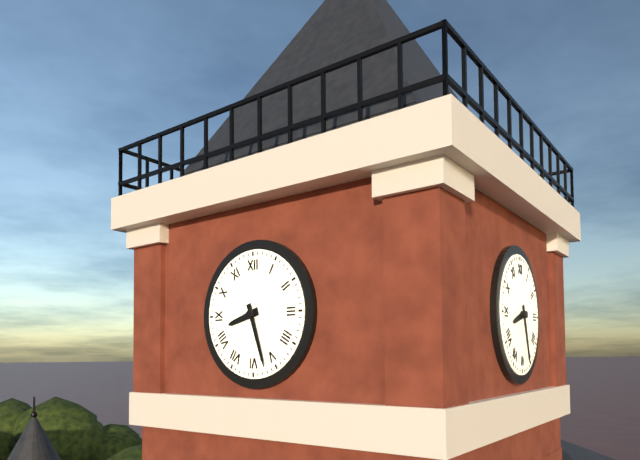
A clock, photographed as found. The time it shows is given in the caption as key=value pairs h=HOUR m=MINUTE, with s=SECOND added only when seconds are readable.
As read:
h=8 m=27
